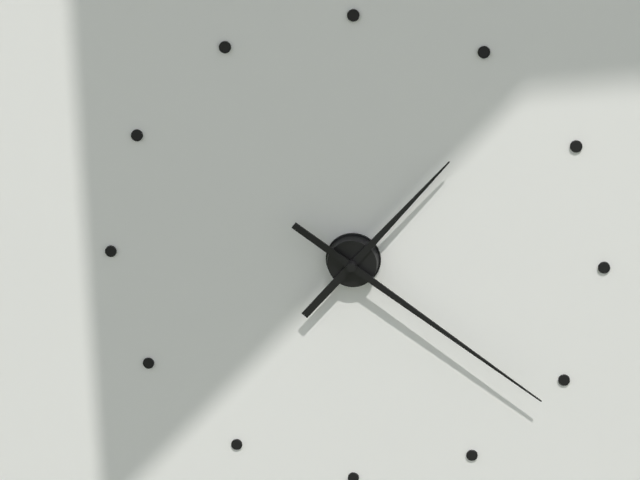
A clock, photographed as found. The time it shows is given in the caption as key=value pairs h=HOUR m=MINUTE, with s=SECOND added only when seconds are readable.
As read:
h=1 m=21
